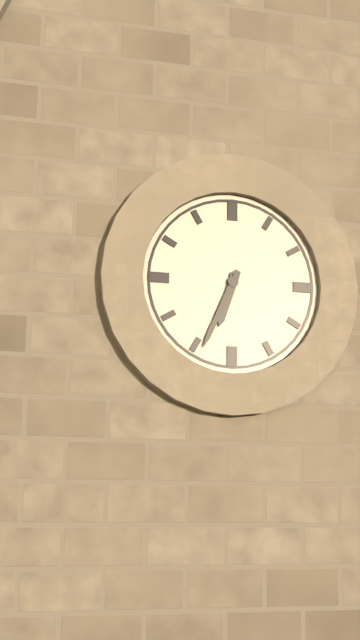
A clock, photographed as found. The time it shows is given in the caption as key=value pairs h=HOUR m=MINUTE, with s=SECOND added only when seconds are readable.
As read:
h=6 m=34
